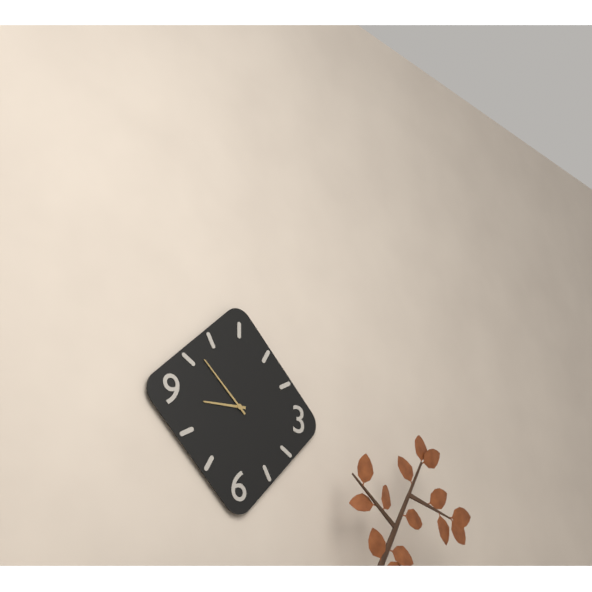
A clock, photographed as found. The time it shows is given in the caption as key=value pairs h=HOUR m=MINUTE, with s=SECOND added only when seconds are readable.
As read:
h=8 m=52
